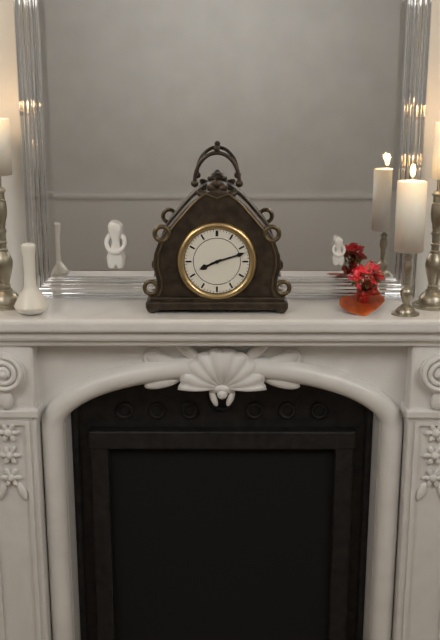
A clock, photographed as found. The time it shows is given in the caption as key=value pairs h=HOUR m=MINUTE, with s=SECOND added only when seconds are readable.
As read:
h=8 m=12
